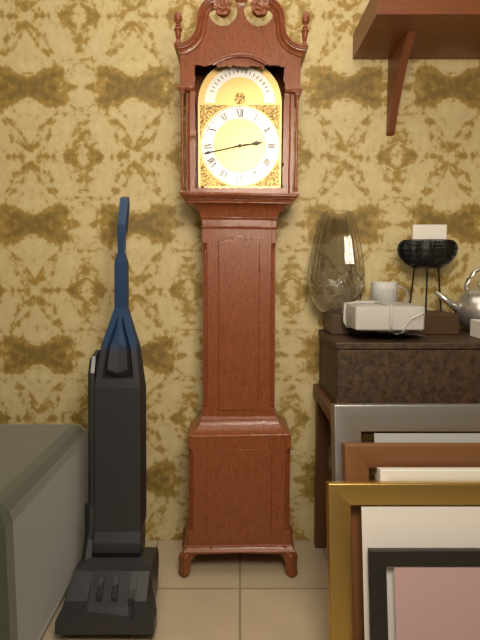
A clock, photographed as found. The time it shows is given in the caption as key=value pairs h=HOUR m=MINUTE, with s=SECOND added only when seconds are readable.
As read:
h=2 m=43
